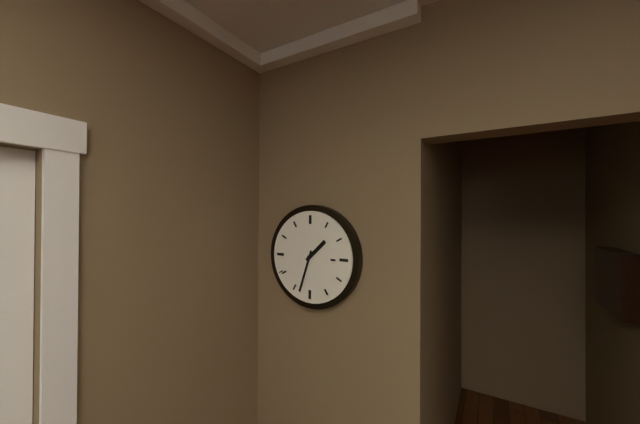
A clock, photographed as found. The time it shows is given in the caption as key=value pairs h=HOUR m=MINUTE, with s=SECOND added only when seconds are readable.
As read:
h=1 m=33
